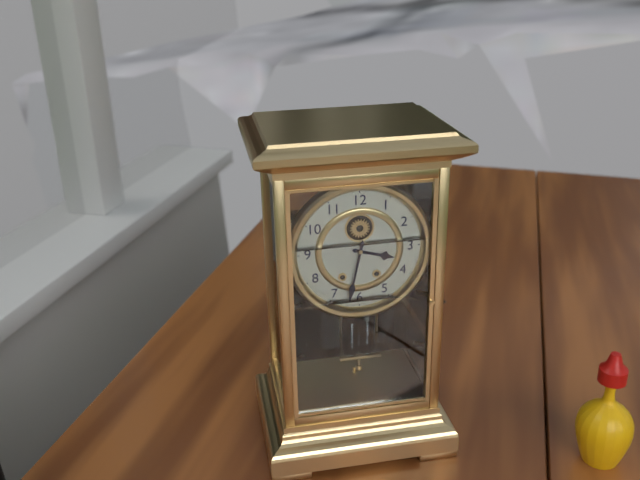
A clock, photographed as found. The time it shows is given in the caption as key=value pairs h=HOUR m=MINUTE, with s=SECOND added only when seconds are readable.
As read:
h=3 m=32
